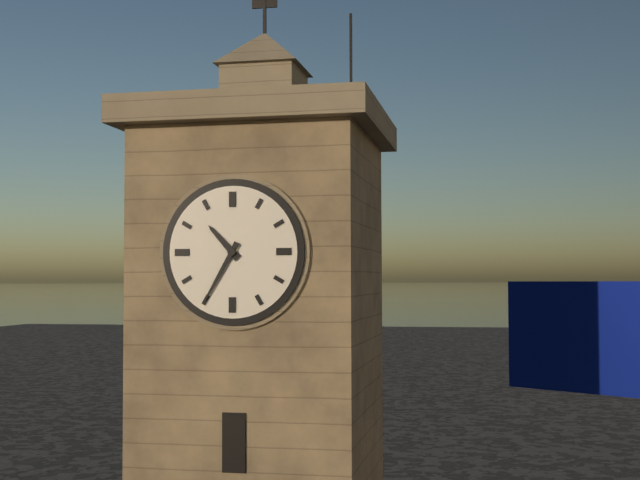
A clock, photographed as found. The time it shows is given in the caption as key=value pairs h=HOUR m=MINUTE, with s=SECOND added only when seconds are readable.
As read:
h=10 m=35
